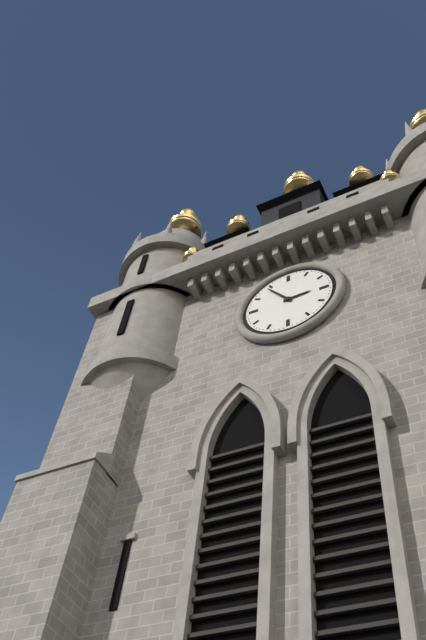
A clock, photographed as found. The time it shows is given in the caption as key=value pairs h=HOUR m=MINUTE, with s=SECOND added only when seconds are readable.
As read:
h=2 m=54
